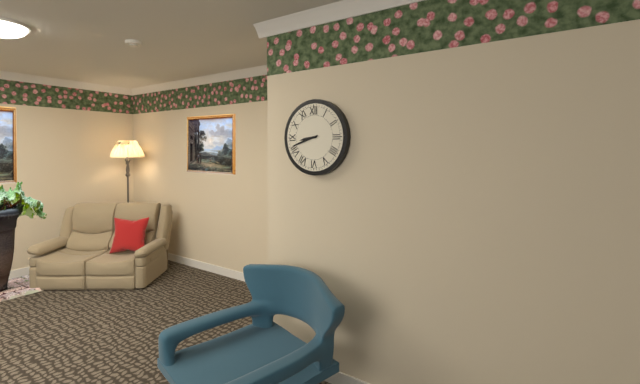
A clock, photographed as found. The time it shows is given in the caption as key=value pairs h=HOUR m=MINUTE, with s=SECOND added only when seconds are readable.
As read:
h=8 m=42
